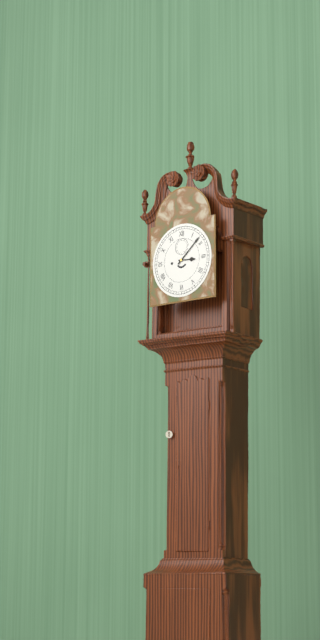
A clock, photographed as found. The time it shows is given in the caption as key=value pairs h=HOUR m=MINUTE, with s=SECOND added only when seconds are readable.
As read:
h=3 m=8
